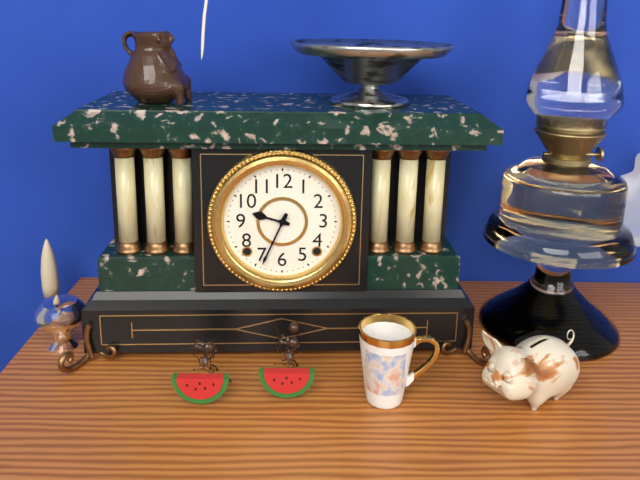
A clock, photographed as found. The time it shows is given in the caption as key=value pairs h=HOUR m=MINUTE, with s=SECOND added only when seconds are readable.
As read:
h=9 m=34
